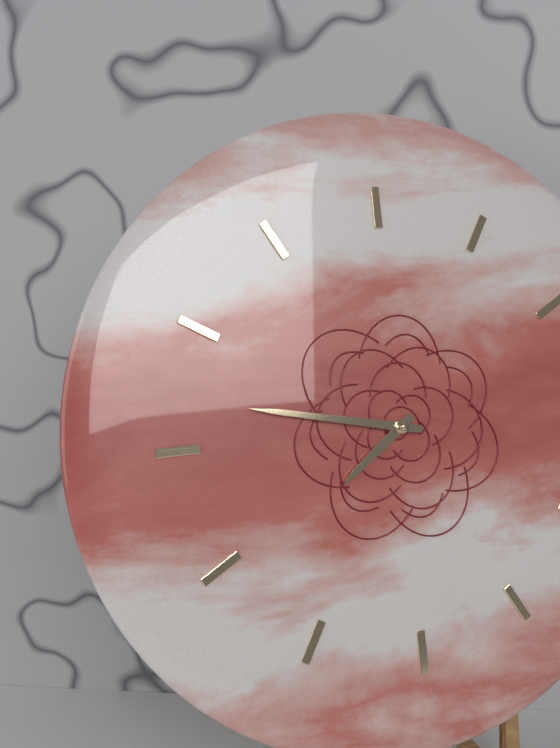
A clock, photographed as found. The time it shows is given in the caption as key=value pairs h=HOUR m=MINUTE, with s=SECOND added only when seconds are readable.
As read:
h=7 m=47
